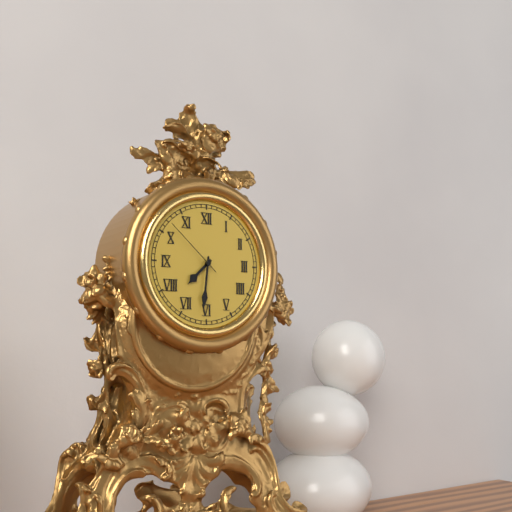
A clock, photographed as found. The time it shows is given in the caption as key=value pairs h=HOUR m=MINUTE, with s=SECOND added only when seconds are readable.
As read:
h=7 m=31 s=52
